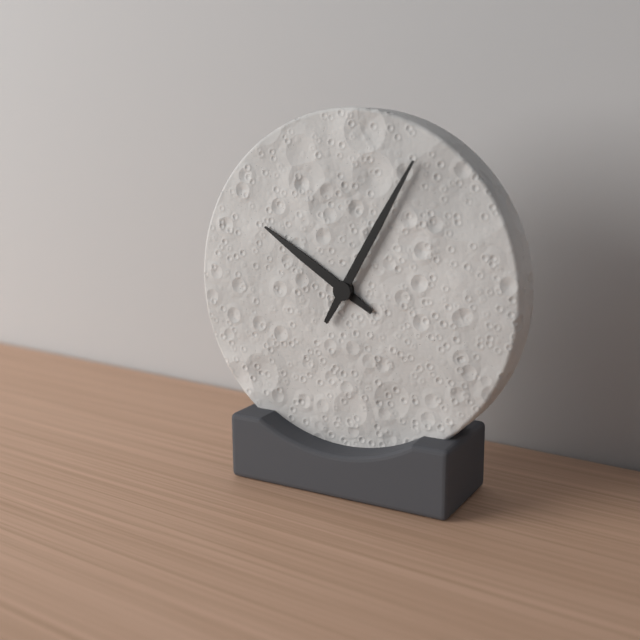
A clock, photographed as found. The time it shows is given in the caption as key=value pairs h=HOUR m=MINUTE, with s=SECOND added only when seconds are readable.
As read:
h=10 m=5
